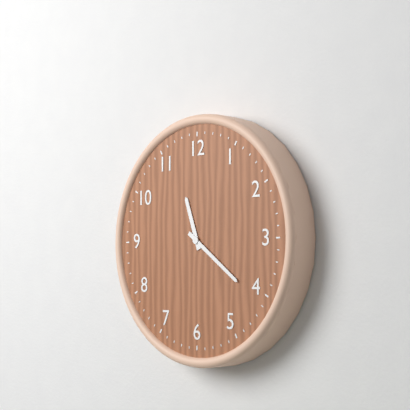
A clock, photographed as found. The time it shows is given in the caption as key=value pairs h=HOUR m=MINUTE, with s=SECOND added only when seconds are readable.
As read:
h=11 m=21
